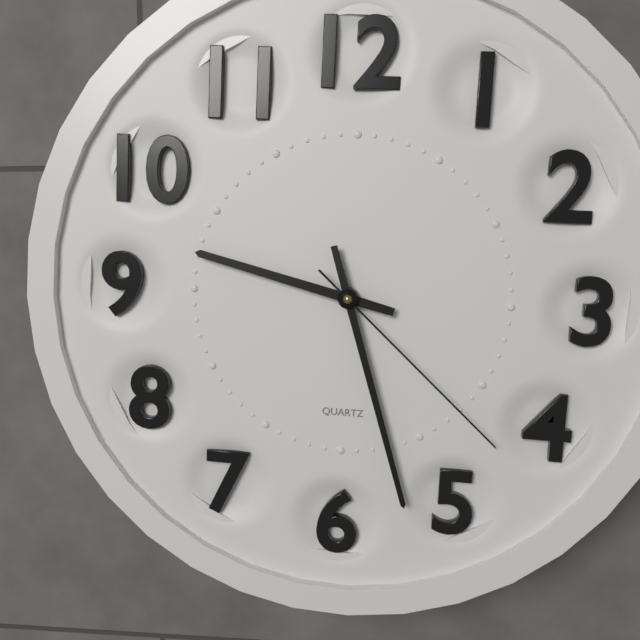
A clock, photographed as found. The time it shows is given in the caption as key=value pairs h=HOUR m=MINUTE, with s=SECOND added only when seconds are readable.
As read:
h=9 m=27 s=22
